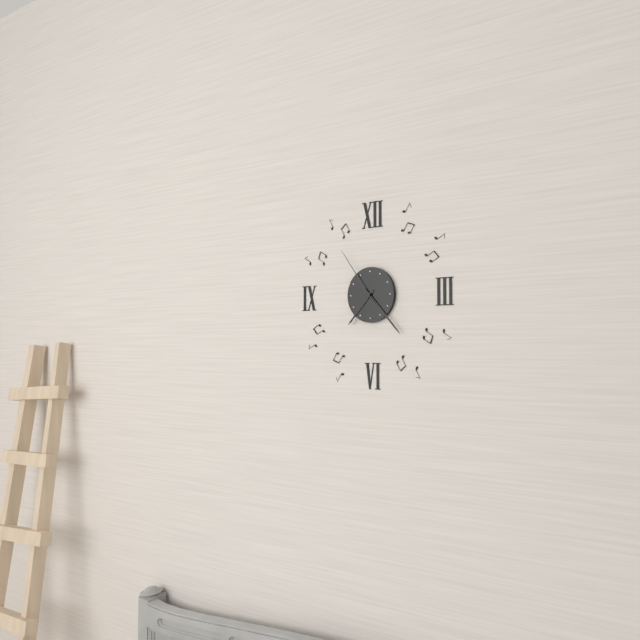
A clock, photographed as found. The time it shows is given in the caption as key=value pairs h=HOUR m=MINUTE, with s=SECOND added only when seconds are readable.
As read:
h=7 m=23 s=54
